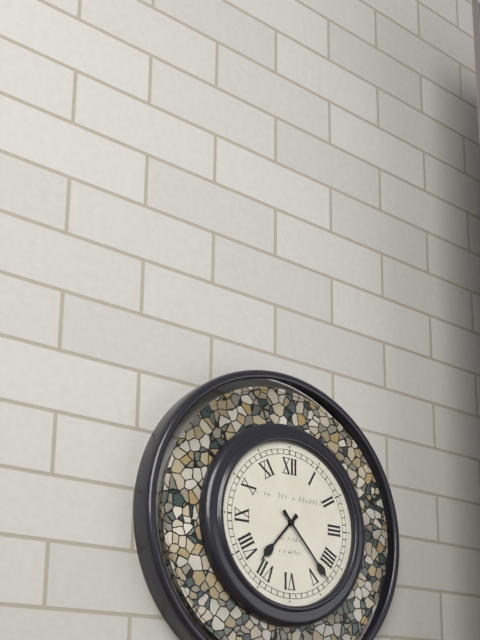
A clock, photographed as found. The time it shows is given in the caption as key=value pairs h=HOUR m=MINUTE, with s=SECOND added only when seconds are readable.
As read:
h=7 m=23
